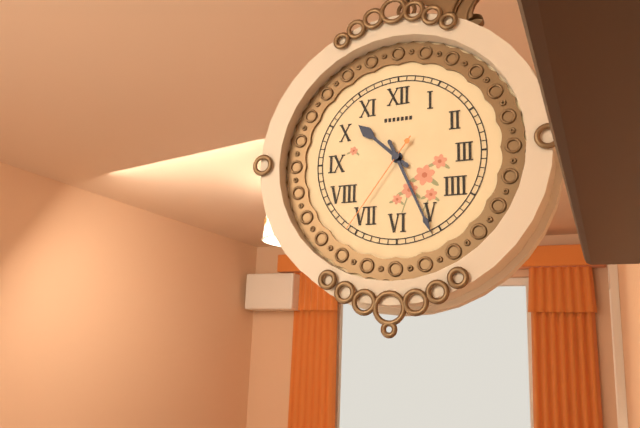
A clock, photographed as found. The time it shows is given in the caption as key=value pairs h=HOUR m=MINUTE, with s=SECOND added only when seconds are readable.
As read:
h=10 m=26 s=36
